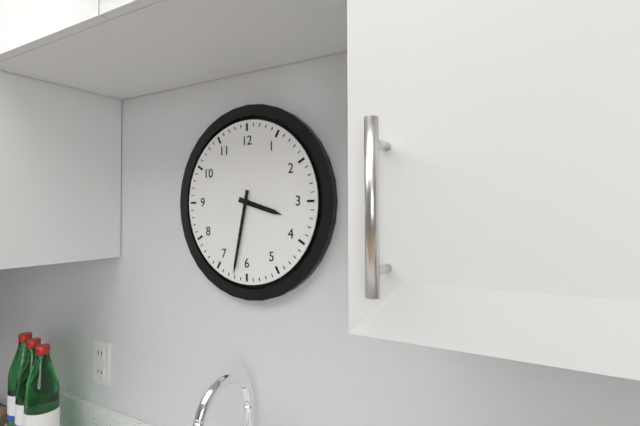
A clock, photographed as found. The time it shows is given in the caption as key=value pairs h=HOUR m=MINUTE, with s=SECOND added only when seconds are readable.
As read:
h=3 m=32
